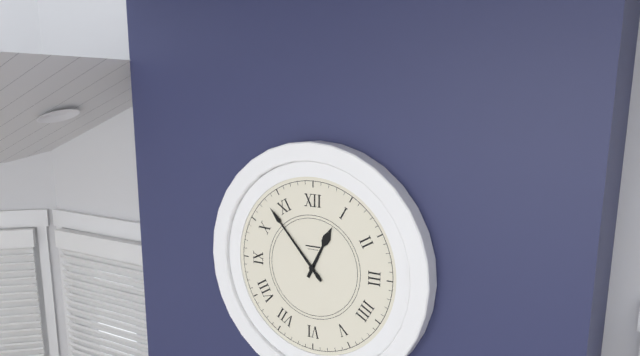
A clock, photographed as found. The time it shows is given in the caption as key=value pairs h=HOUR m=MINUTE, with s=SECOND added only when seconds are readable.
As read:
h=12 m=53
